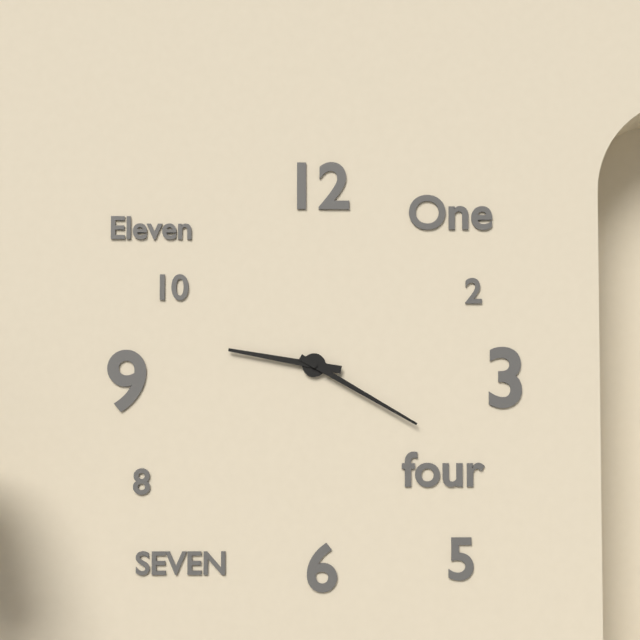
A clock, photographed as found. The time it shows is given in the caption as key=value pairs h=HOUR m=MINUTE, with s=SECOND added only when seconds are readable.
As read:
h=9 m=20
